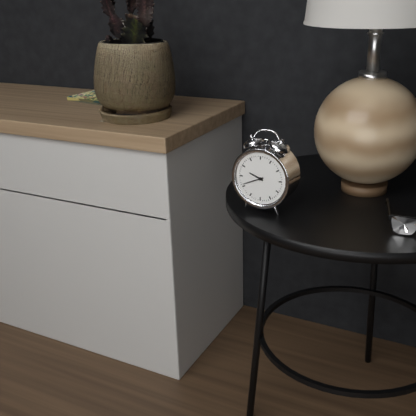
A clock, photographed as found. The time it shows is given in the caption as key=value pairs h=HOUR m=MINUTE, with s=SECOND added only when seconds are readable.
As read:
h=9 m=41
